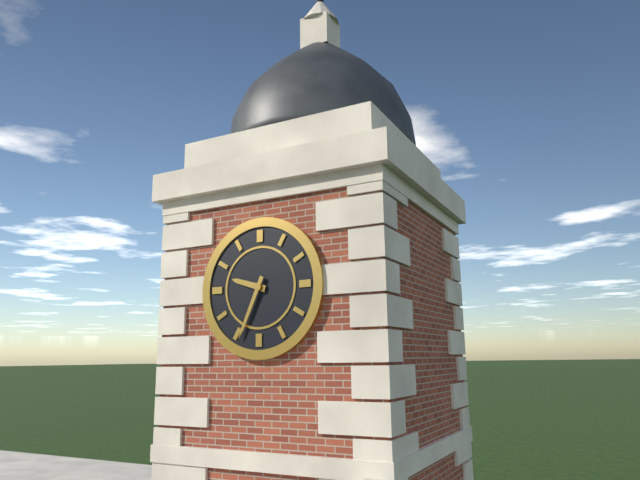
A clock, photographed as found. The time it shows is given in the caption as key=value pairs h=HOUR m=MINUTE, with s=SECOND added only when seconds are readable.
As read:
h=9 m=34
